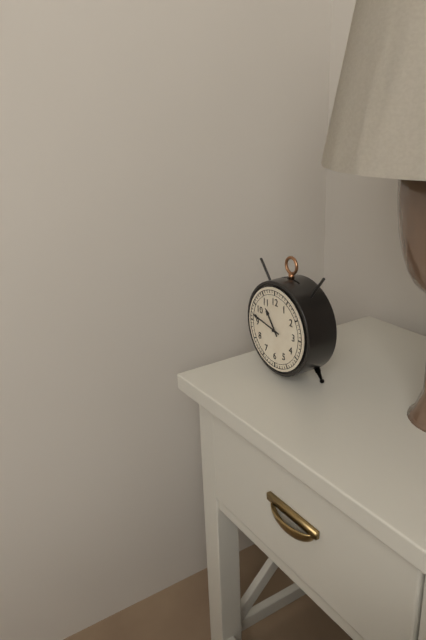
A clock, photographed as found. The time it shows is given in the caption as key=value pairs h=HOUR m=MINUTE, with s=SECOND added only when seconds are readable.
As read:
h=10 m=47
